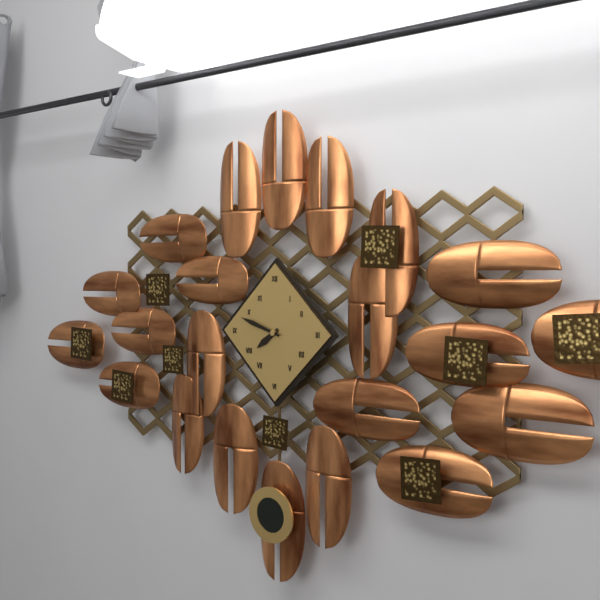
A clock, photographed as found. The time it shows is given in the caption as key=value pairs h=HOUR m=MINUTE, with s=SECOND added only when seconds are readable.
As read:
h=7 m=48
